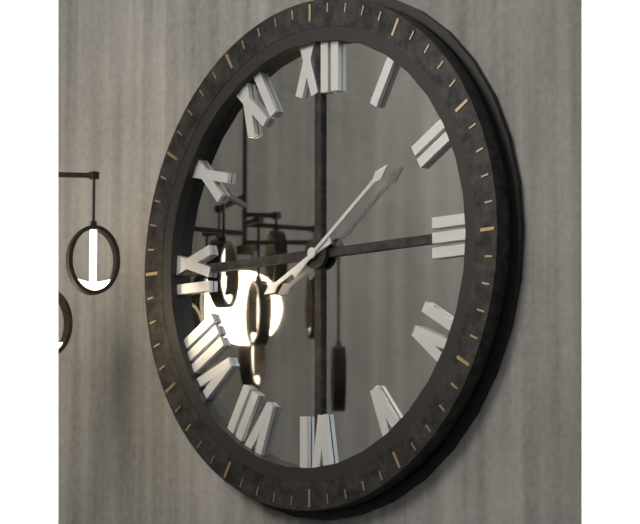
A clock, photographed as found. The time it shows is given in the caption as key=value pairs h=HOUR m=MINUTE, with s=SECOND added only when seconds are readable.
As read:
h=8 m=9
